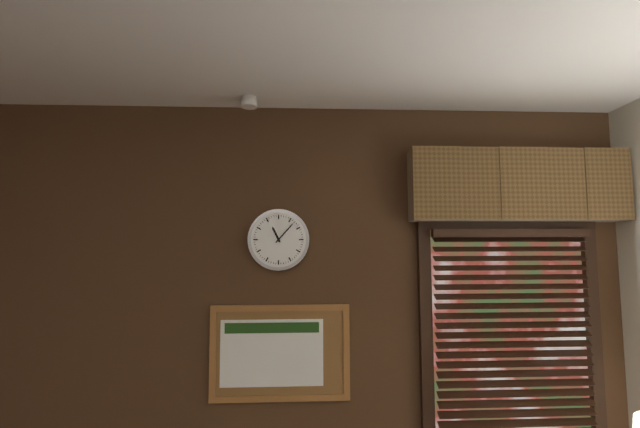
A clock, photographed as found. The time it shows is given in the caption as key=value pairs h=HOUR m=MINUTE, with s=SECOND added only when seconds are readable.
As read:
h=11 m=7
